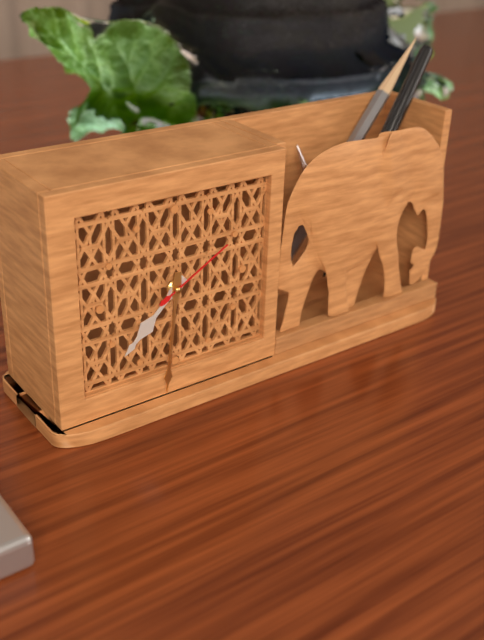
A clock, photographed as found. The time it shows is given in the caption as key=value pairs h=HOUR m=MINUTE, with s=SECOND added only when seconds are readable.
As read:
h=7 m=31 s=10
